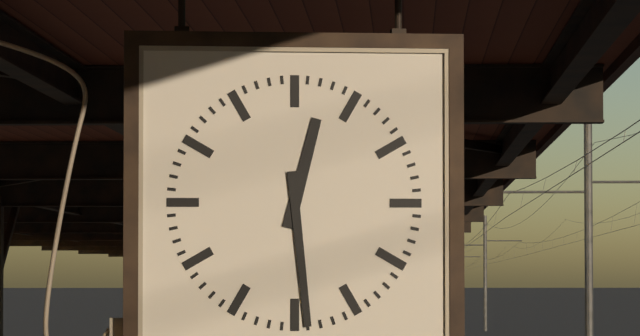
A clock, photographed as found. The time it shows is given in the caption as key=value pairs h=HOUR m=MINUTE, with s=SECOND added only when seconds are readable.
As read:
h=12 m=29
